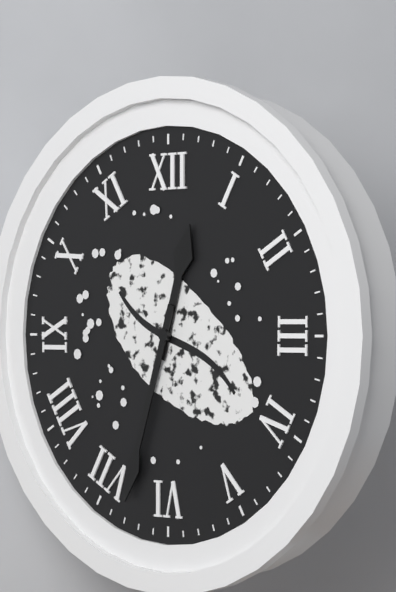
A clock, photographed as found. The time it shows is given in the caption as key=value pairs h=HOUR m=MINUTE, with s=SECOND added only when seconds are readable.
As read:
h=12 m=33
